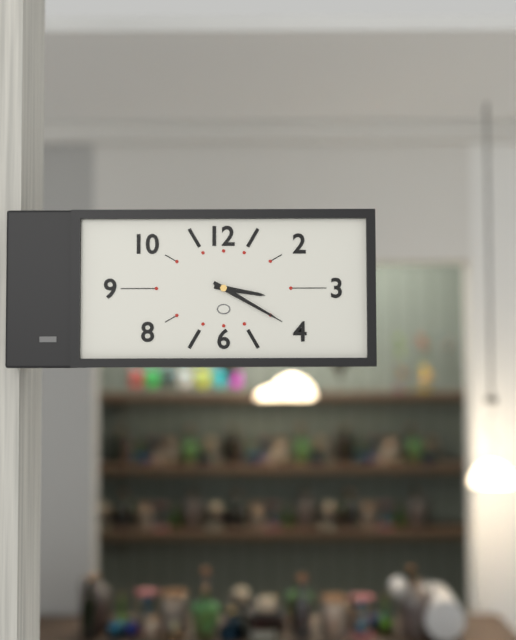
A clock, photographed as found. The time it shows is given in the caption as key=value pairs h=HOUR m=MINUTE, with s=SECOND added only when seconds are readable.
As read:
h=3 m=20
